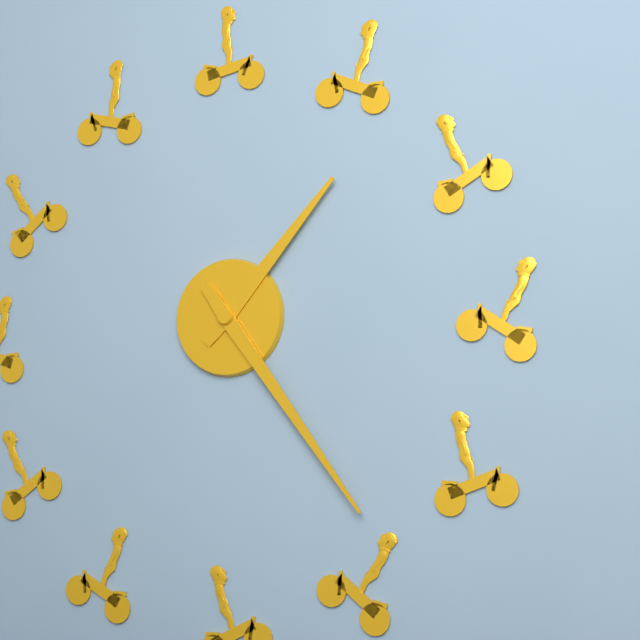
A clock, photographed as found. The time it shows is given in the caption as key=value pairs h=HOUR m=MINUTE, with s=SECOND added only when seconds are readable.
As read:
h=1 m=24
